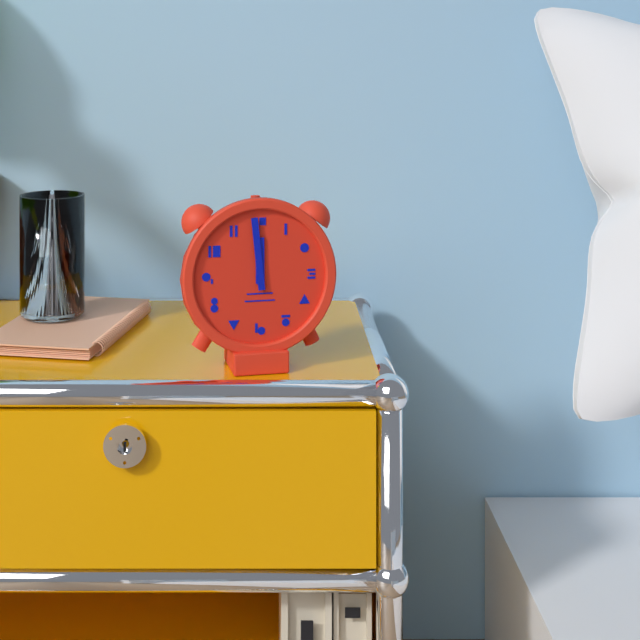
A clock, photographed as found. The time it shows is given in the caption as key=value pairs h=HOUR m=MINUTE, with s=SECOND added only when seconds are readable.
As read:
h=11 m=59
